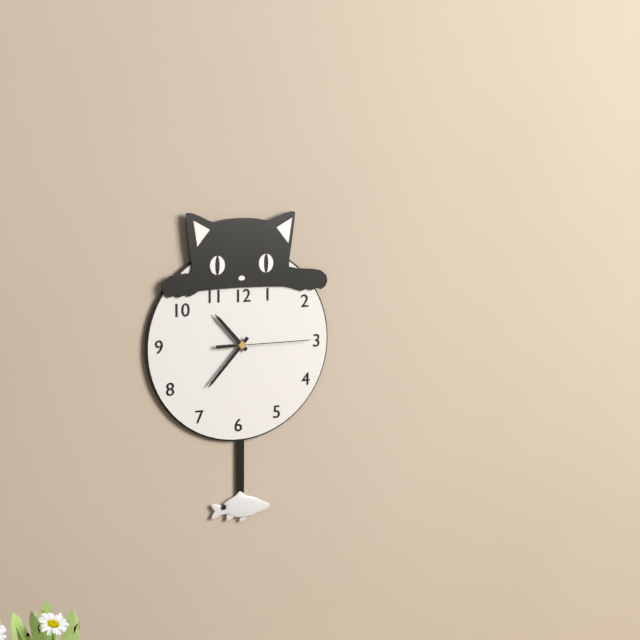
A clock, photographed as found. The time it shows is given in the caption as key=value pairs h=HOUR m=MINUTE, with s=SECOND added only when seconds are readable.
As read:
h=10 m=37 s=15
